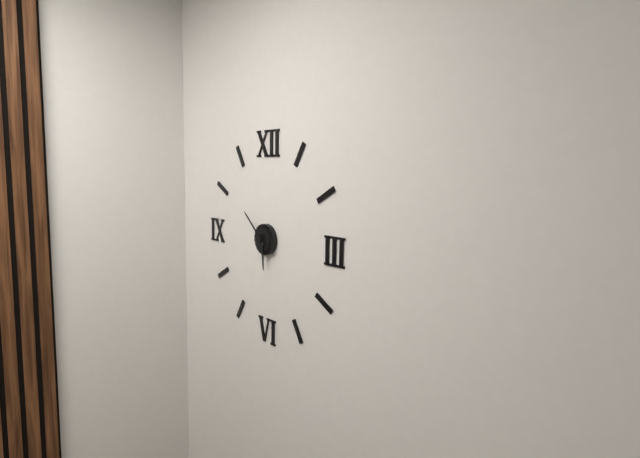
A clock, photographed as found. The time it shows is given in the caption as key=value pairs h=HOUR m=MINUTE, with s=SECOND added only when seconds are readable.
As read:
h=5 m=52
